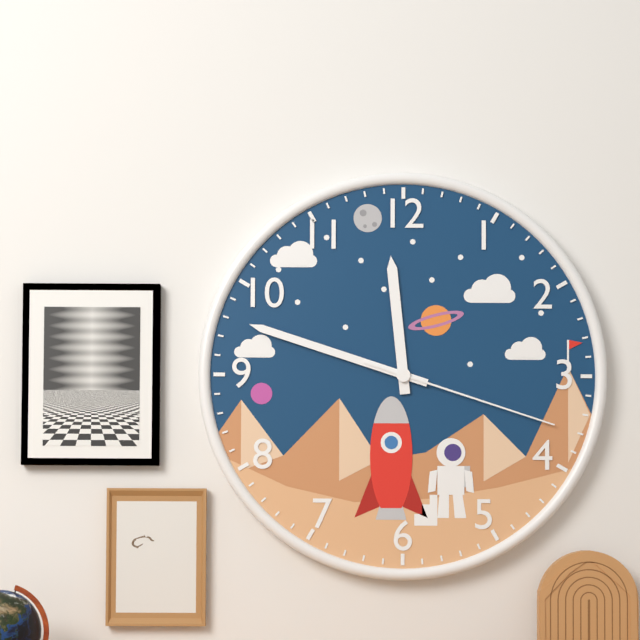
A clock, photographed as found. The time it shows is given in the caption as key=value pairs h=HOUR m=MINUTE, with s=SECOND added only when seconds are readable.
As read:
h=11 m=48 s=18
